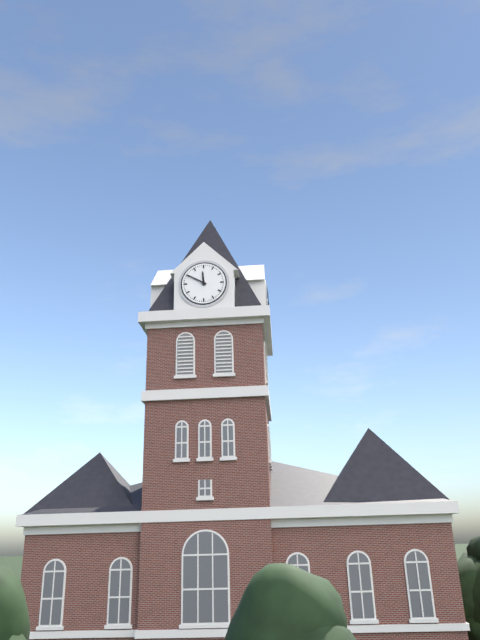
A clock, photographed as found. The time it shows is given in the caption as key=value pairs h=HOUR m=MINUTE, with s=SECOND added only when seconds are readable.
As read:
h=11 m=50
